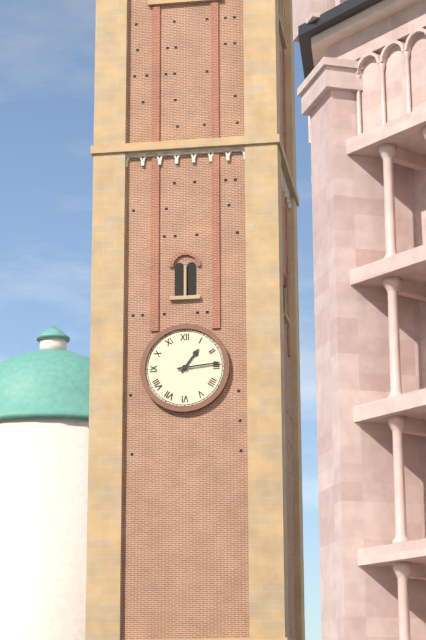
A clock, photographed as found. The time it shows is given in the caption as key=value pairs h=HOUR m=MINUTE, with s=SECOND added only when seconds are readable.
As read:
h=1 m=14
